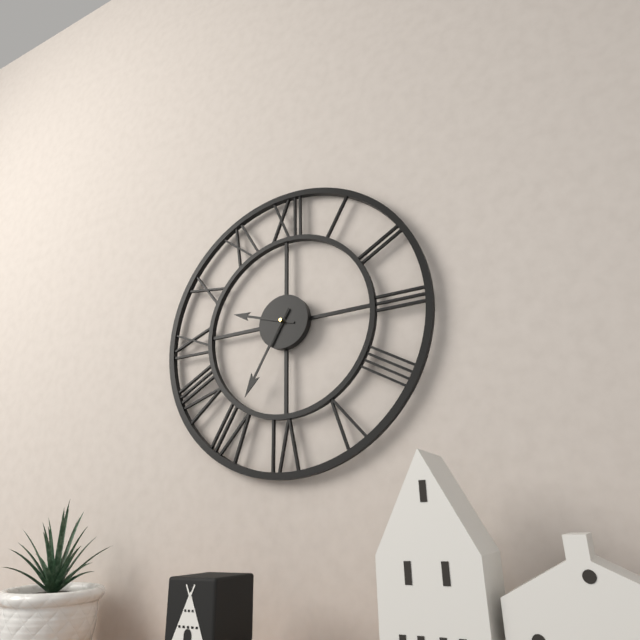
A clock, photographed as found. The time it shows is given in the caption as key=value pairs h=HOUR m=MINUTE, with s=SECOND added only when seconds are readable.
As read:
h=9 m=35
